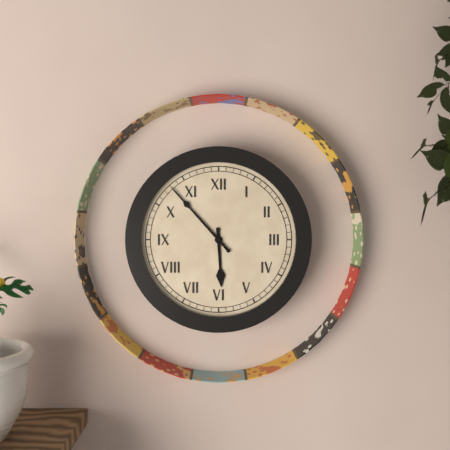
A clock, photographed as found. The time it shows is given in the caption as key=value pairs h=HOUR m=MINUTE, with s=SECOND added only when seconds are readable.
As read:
h=5 m=53
